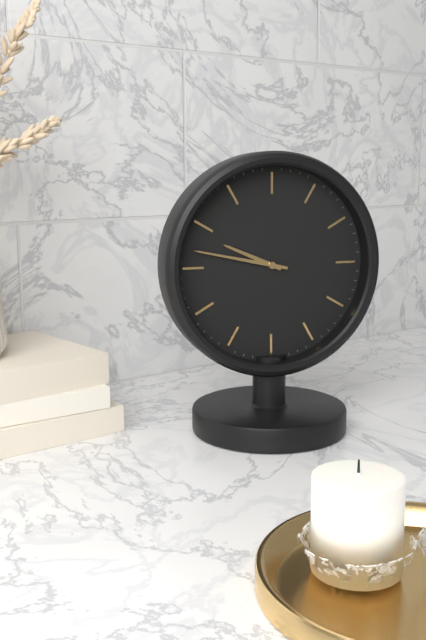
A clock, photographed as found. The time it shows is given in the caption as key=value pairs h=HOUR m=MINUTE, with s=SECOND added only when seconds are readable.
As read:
h=9 m=47
